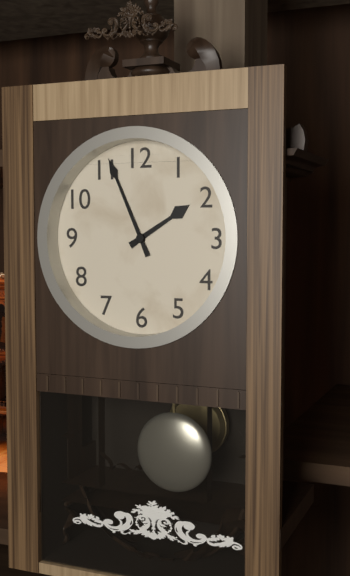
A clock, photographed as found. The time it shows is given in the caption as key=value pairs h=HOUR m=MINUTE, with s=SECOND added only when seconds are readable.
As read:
h=1 m=56
